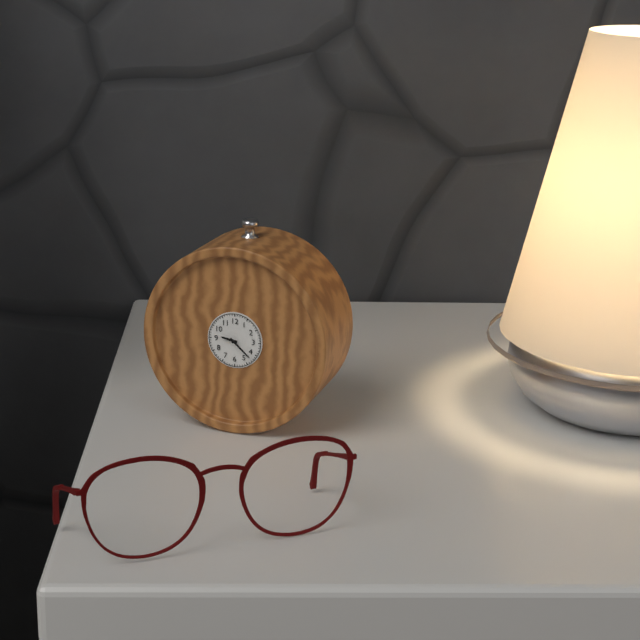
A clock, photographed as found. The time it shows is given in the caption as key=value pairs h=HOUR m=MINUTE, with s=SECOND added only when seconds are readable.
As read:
h=9 m=22
